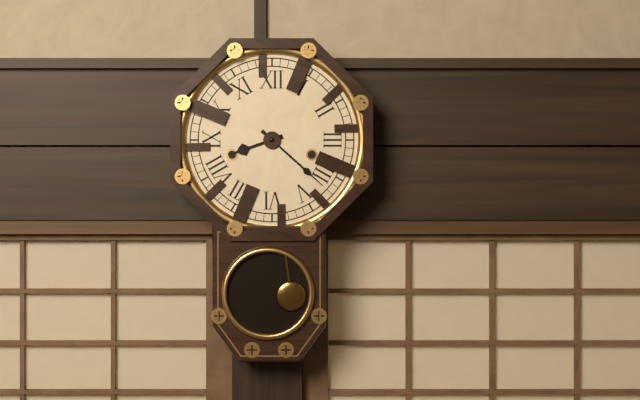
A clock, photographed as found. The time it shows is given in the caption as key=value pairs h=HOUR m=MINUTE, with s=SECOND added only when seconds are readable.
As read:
h=8 m=22
